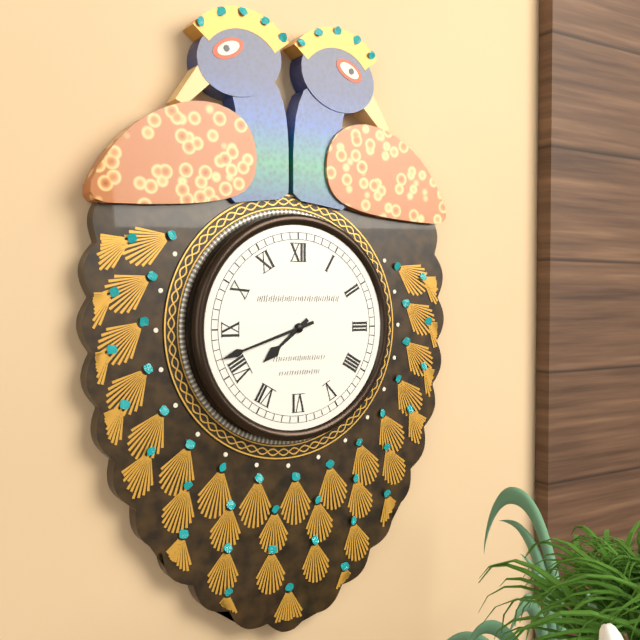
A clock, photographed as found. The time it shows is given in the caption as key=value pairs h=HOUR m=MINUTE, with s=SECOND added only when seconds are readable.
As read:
h=7 m=42
